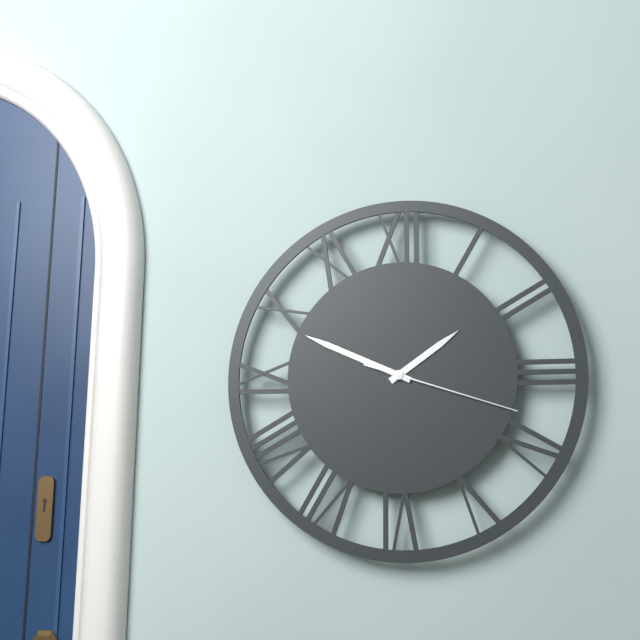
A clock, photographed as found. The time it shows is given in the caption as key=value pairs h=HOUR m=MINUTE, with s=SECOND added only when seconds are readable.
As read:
h=1 m=49 s=18
